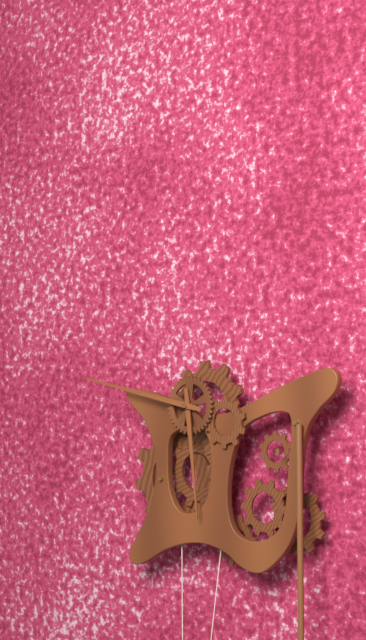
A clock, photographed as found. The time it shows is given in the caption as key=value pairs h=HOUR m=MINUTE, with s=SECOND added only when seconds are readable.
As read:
h=5 m=47
